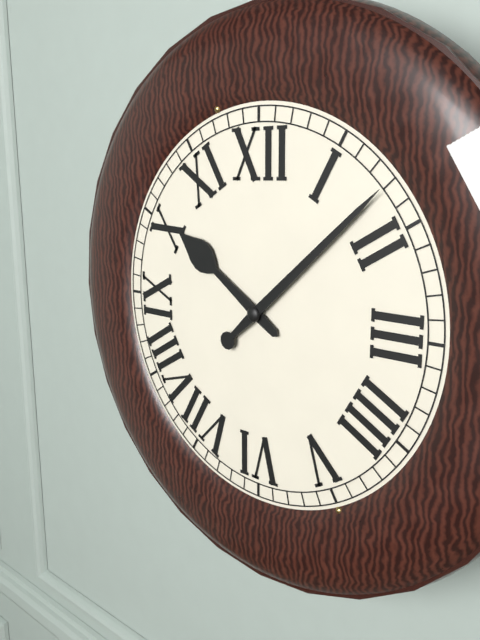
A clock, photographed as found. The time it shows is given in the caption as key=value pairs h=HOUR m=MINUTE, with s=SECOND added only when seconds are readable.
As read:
h=10 m=8
